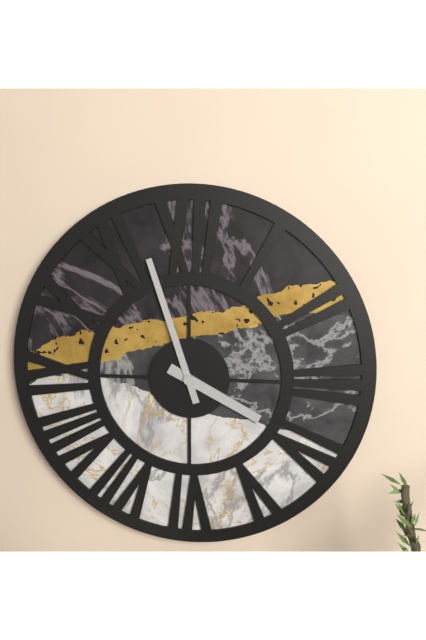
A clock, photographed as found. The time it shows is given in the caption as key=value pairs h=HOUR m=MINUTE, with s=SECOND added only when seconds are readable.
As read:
h=3 m=57
